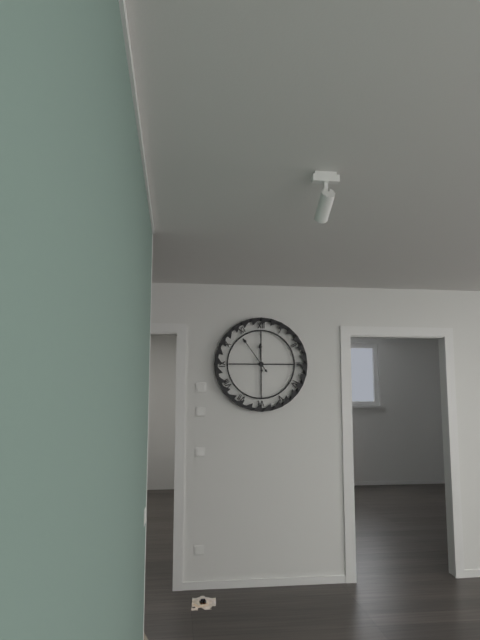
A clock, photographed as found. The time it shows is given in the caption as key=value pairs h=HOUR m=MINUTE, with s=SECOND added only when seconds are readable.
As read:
h=11 m=54
